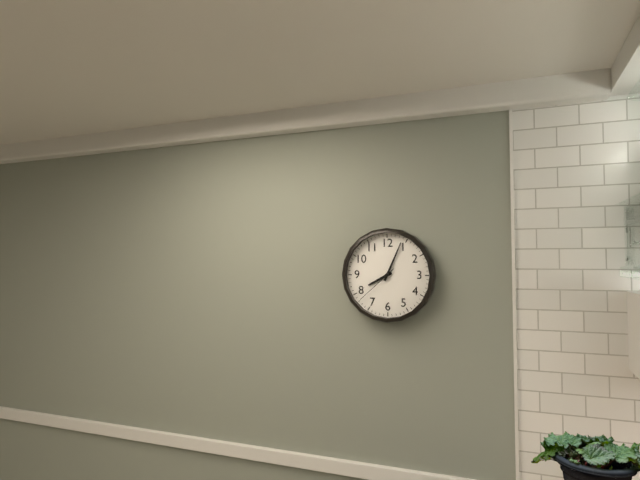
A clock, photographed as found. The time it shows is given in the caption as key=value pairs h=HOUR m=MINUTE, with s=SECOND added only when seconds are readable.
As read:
h=8 m=4
